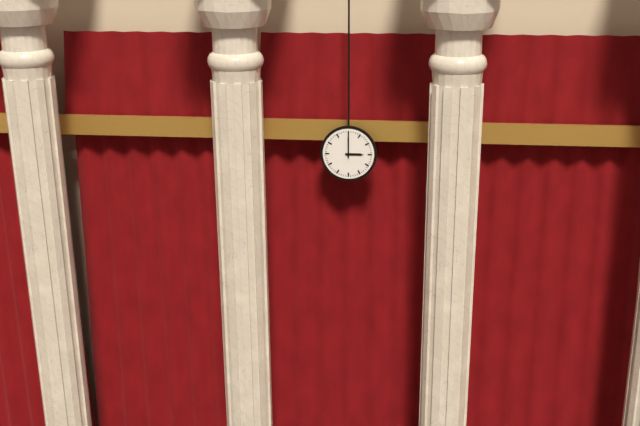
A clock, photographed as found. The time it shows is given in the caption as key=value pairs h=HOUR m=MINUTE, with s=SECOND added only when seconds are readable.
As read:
h=3 m=0
